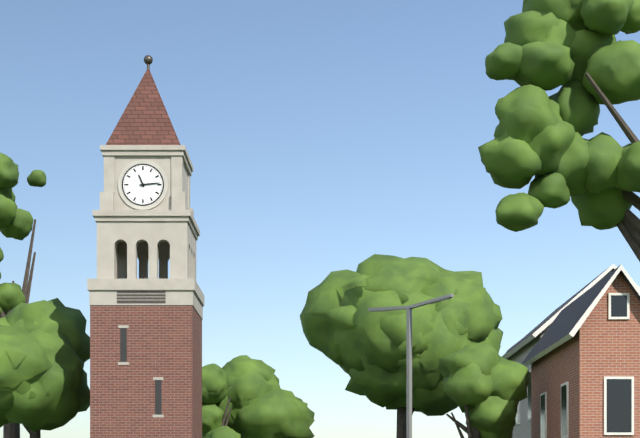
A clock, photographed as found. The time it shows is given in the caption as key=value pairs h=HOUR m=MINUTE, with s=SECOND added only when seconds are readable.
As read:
h=11 m=14
